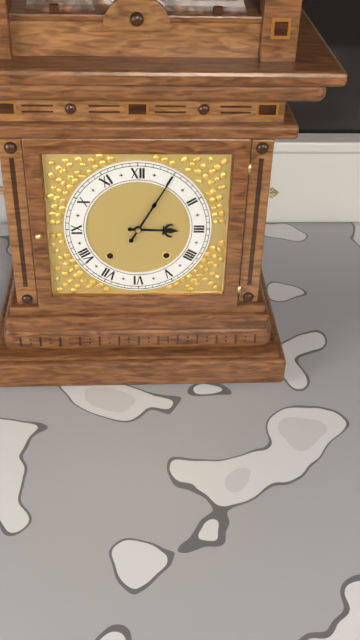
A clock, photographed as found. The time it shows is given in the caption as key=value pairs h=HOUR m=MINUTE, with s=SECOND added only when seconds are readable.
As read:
h=3 m=5
